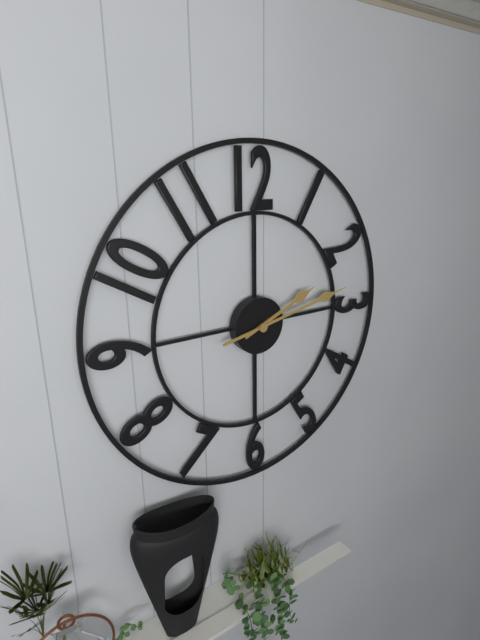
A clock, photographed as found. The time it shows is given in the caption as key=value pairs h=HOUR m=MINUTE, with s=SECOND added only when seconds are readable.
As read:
h=2 m=13
